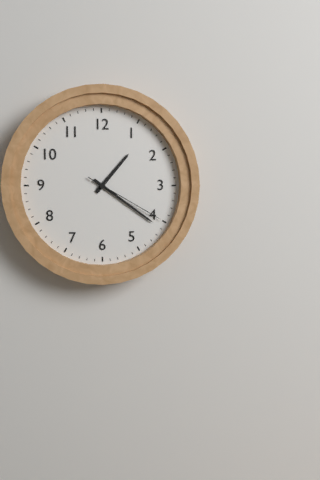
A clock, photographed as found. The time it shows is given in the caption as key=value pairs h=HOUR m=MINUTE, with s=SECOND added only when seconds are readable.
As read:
h=1 m=21 s=20
